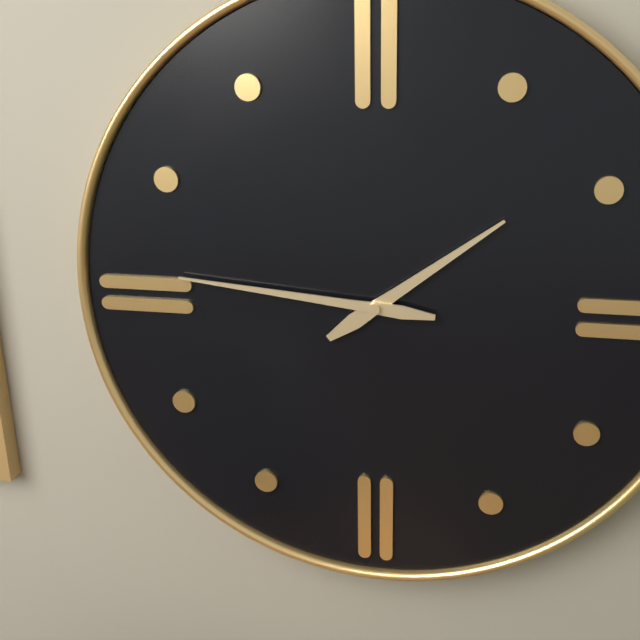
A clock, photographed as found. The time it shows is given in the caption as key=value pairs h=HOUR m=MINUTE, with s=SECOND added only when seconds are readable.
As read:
h=1 m=46
